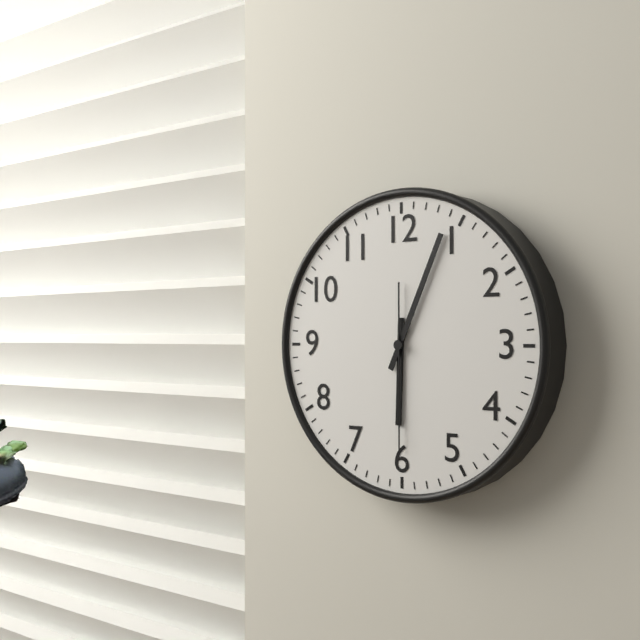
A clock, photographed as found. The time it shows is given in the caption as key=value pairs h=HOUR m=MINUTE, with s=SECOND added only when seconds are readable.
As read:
h=6 m=4 s=30
